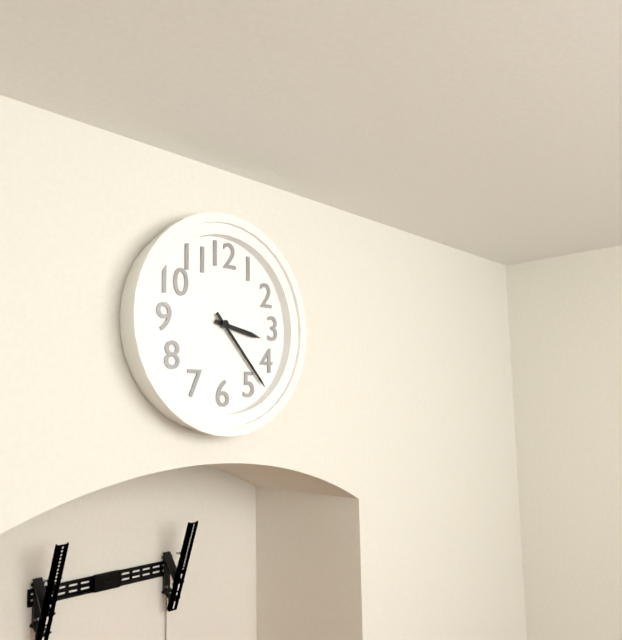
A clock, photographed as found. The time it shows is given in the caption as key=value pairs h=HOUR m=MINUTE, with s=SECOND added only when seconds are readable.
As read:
h=3 m=23
